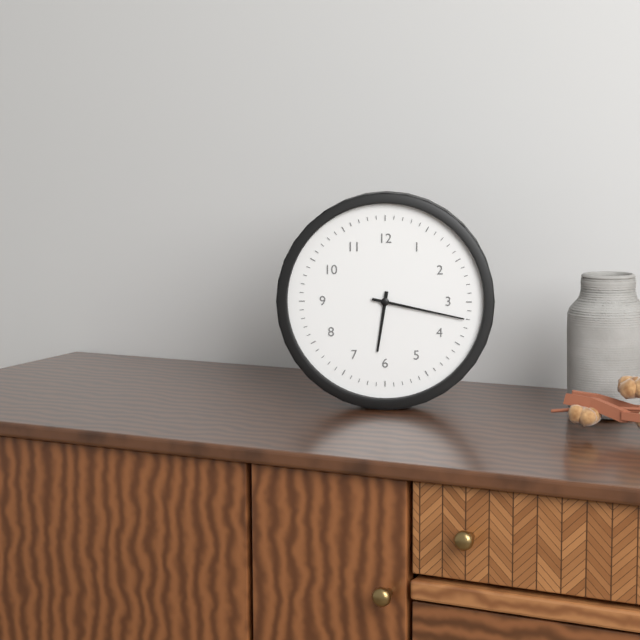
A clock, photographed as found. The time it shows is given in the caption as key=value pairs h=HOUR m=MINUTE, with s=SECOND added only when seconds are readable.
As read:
h=6 m=17
